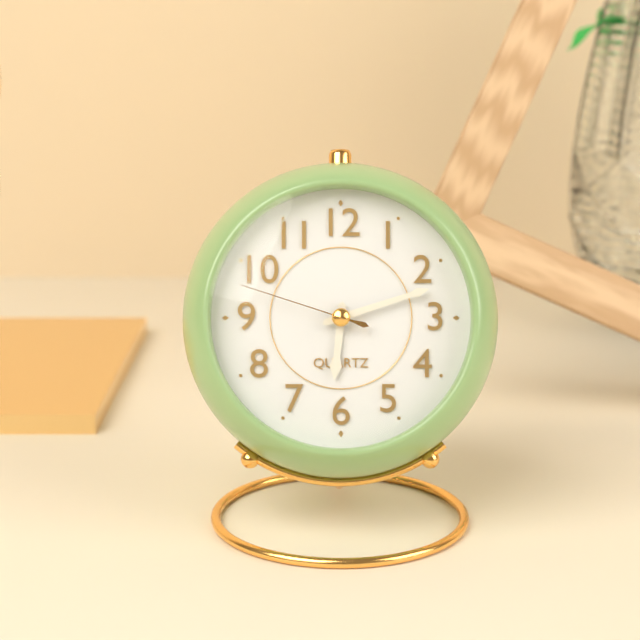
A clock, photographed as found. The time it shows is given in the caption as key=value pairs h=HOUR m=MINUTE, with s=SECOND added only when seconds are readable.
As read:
h=6 m=12 s=48
